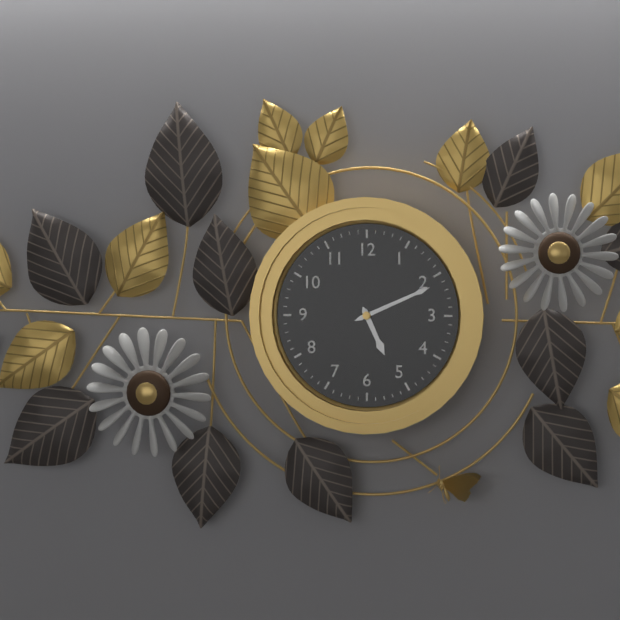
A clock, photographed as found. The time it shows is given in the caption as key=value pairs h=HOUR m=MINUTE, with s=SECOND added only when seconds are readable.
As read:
h=5 m=11
